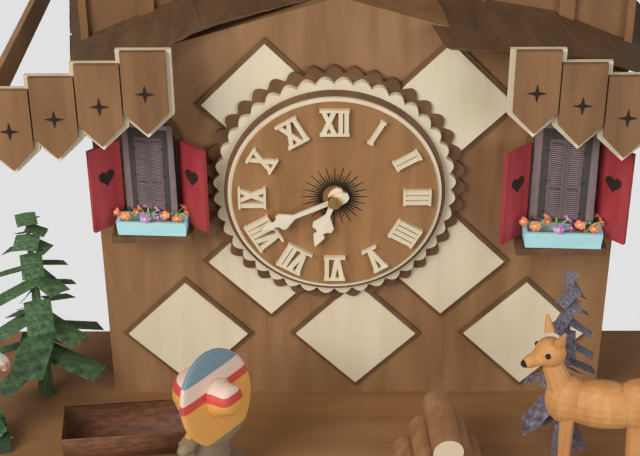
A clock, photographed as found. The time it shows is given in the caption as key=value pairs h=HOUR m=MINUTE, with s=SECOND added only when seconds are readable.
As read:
h=6 m=41
